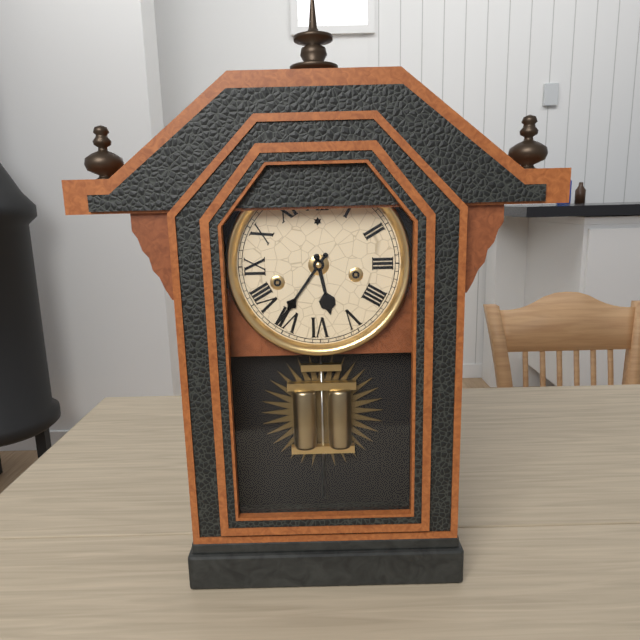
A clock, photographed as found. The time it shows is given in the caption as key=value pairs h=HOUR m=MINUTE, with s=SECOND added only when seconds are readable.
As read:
h=5 m=36
